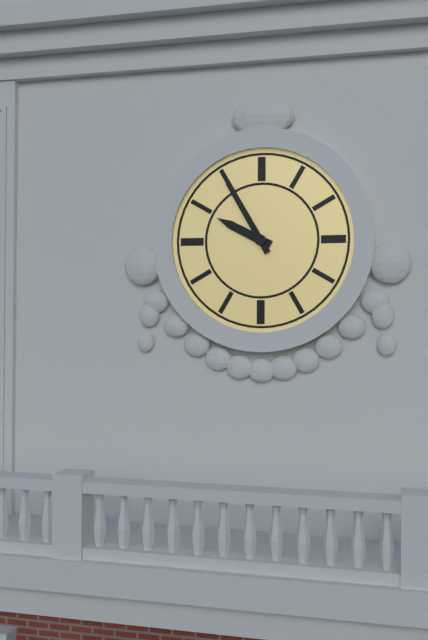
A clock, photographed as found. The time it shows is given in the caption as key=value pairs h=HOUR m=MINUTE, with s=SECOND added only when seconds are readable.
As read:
h=9 m=55
